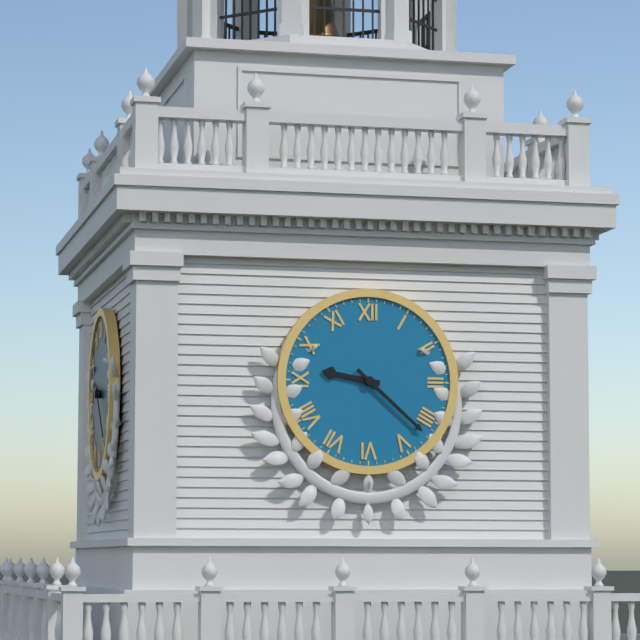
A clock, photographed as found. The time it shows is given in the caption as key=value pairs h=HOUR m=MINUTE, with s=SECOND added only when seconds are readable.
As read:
h=9 m=22
